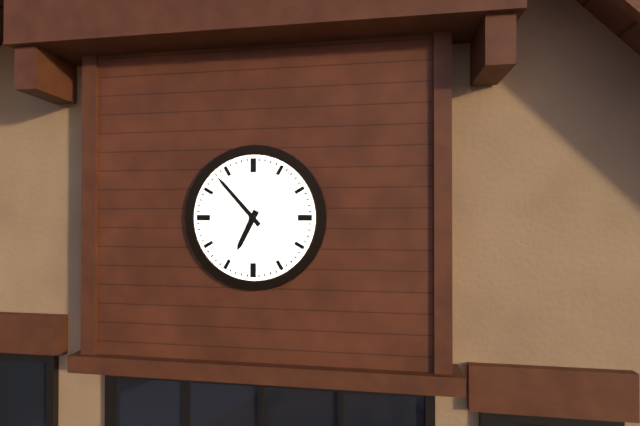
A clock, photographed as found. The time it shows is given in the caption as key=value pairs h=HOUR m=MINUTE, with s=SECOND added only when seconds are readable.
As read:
h=6 m=53
